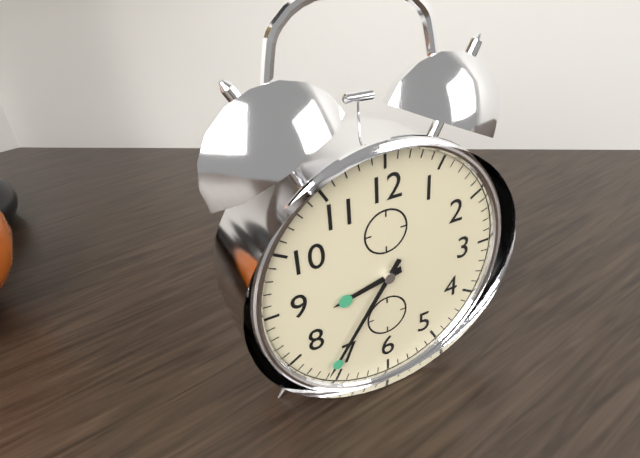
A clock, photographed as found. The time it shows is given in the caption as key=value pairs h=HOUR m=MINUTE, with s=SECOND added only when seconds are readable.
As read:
h=8 m=36
